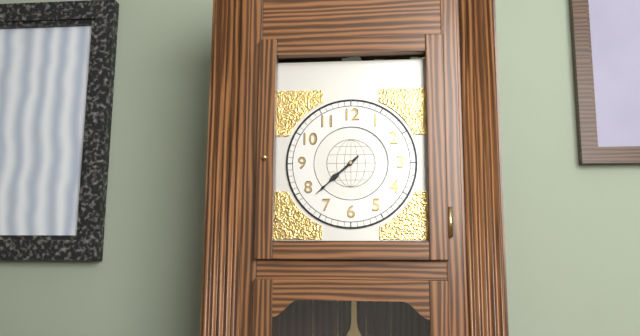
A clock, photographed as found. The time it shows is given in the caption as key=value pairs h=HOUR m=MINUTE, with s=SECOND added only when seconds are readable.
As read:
h=7 m=38
